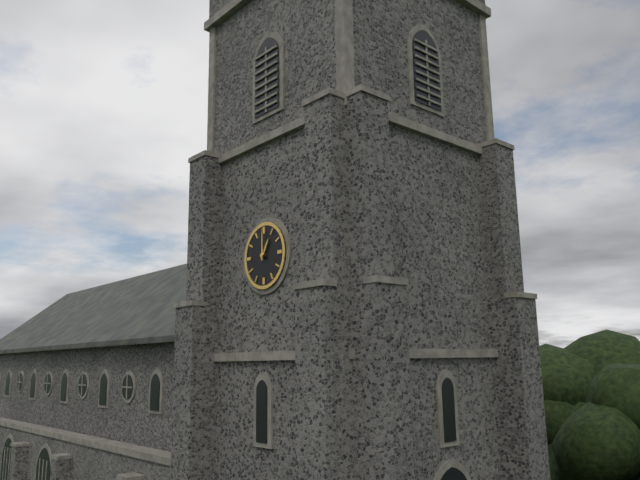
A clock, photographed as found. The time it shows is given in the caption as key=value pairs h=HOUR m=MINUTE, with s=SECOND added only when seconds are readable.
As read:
h=1 m=0
